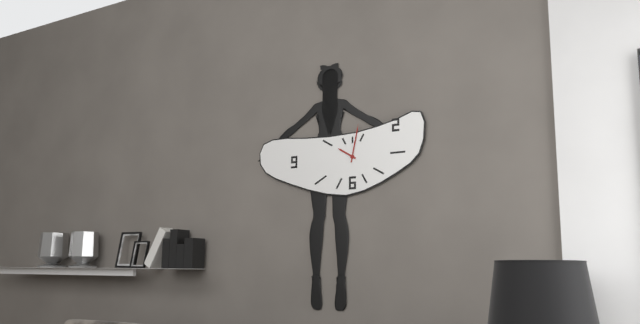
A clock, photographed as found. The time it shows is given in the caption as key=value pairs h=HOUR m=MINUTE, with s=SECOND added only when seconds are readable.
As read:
h=10 m=2
